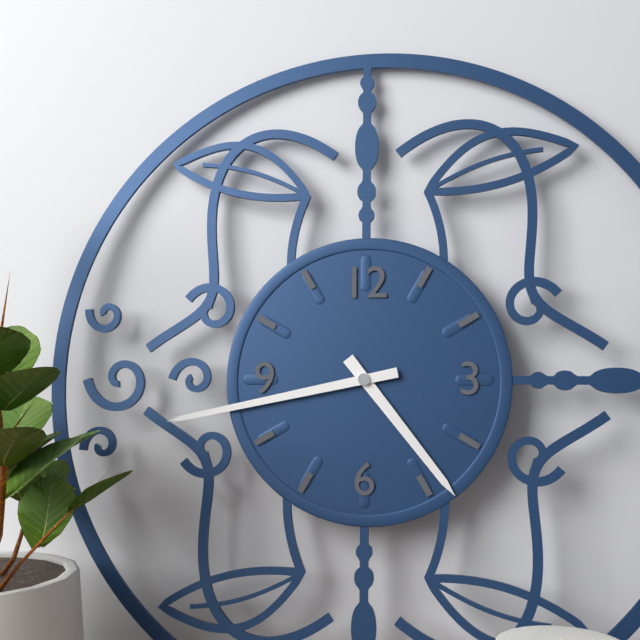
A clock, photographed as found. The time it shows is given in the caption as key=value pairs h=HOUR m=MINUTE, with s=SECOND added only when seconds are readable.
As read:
h=4 m=43
